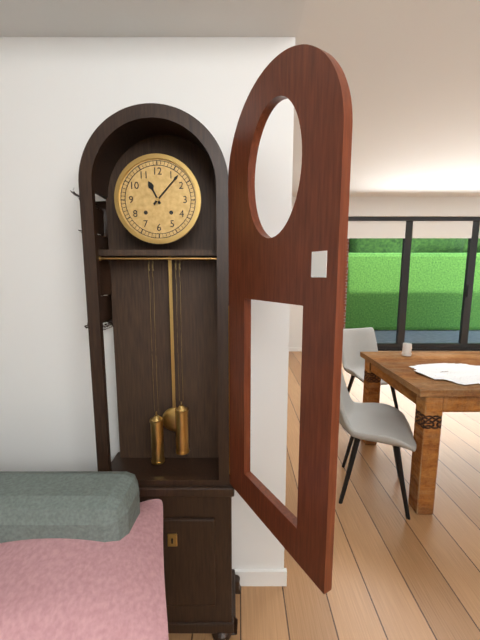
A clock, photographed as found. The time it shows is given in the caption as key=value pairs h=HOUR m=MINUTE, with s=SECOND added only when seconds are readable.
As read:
h=11 m=7
